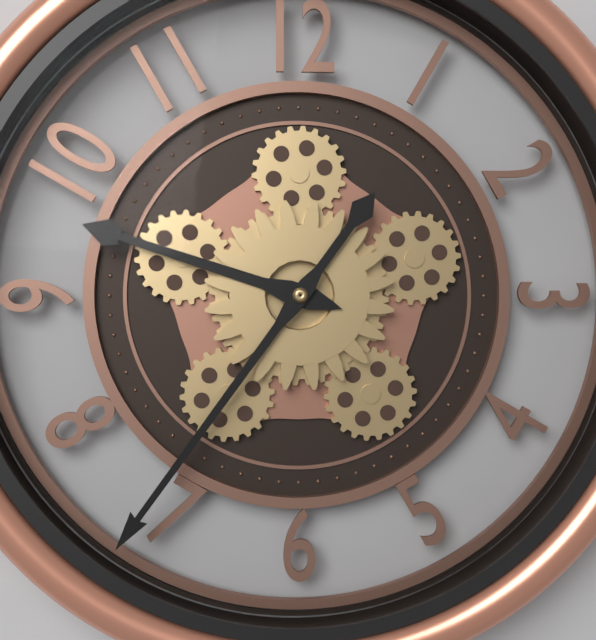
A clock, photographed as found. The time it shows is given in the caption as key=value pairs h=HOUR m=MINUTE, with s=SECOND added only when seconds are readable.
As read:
h=9 m=36
